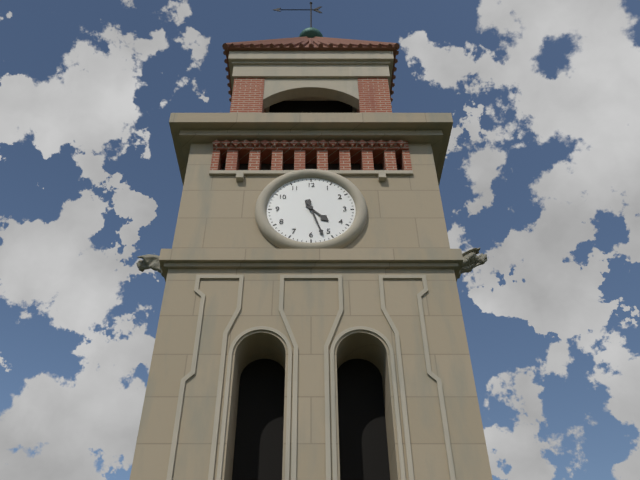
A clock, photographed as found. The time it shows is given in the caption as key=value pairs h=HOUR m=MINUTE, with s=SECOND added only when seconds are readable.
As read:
h=4 m=27
